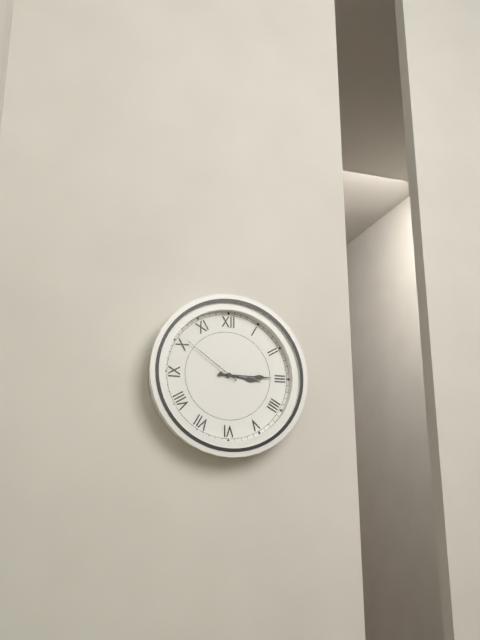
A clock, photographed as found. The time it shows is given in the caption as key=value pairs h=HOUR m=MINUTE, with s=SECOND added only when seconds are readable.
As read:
h=3 m=15 s=51
